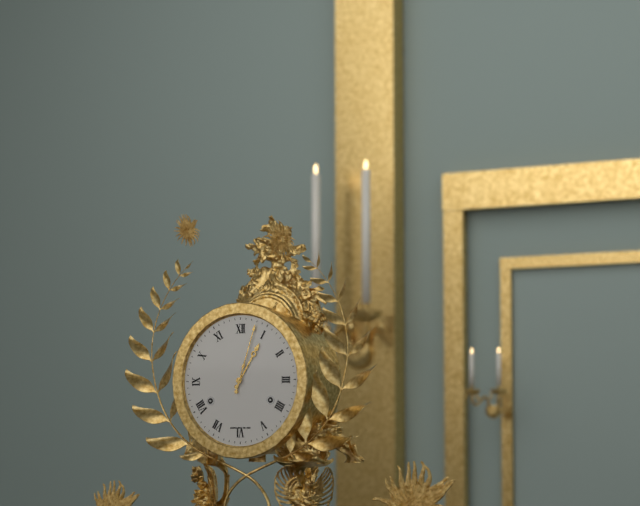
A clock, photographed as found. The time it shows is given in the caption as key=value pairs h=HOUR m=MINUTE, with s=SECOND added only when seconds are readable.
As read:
h=1 m=3
